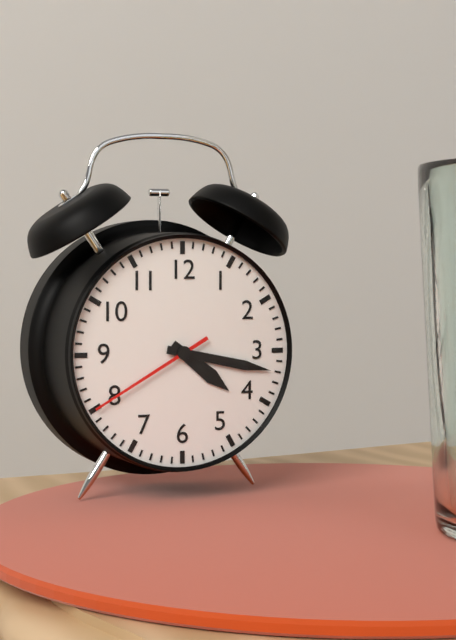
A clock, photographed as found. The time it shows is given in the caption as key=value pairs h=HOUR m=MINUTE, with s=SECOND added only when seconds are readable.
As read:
h=4 m=17 s=40
